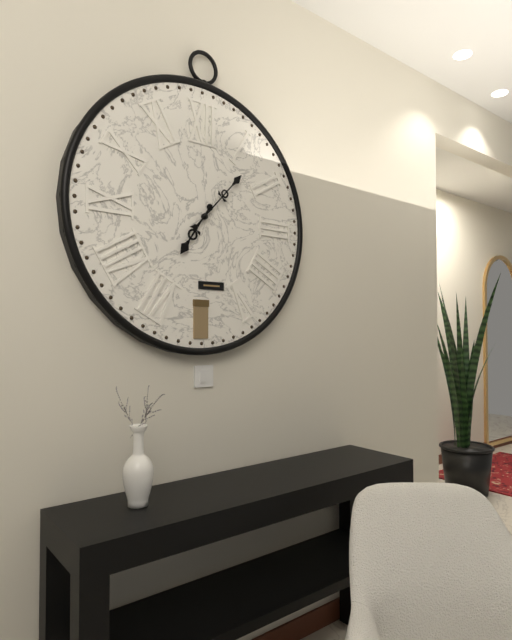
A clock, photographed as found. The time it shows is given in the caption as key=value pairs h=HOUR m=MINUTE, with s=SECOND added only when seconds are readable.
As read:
h=7 m=7
